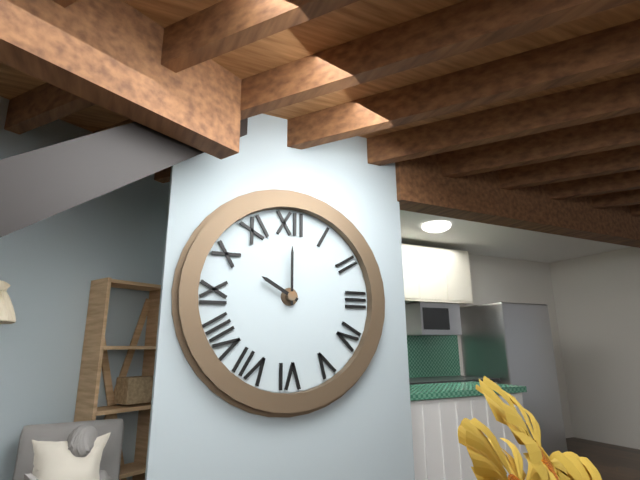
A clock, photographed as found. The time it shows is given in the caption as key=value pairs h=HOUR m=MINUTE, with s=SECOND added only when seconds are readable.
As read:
h=10 m=0
